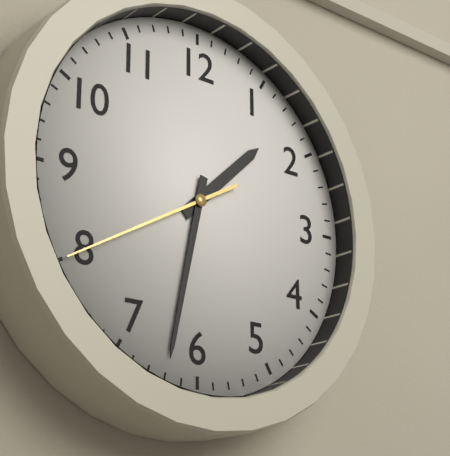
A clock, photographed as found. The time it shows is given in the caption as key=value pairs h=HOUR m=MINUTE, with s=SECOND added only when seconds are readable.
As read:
h=1 m=32 s=40
